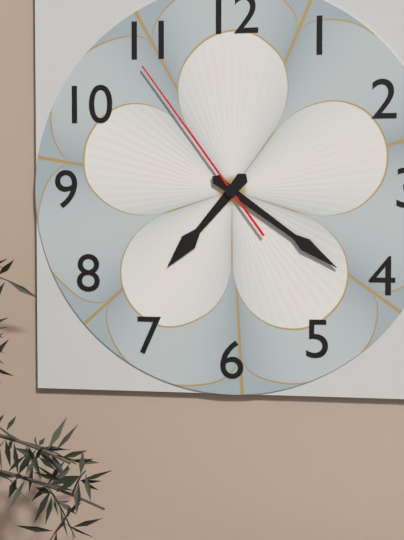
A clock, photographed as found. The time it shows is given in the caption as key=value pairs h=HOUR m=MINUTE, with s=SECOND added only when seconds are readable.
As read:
h=7 m=21 s=54
